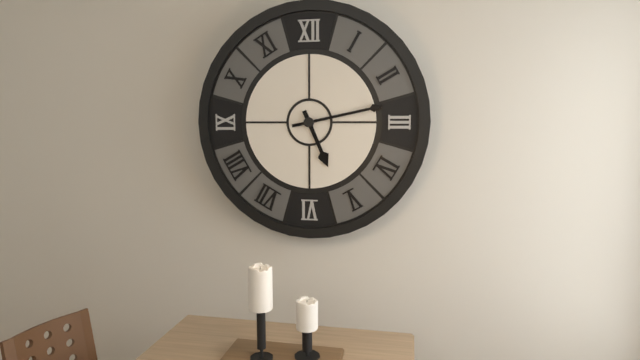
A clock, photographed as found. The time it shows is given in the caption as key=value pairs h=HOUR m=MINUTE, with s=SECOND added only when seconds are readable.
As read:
h=5 m=13
